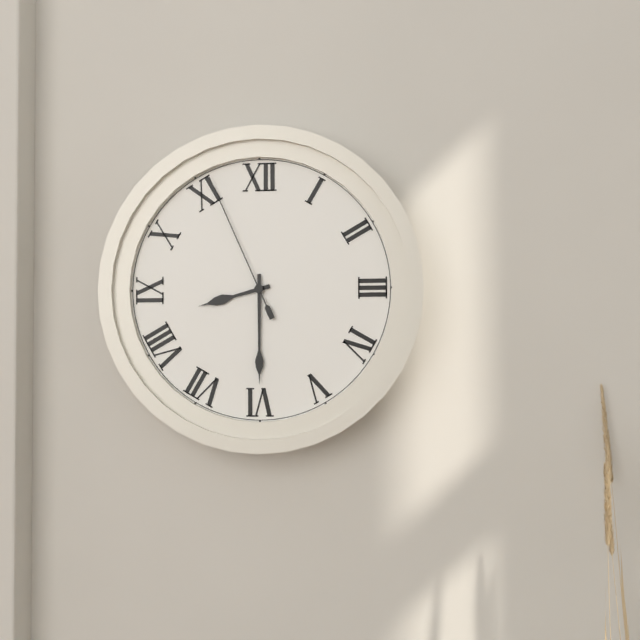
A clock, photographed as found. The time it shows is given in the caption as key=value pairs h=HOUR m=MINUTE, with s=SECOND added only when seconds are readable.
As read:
h=8 m=30 s=56
